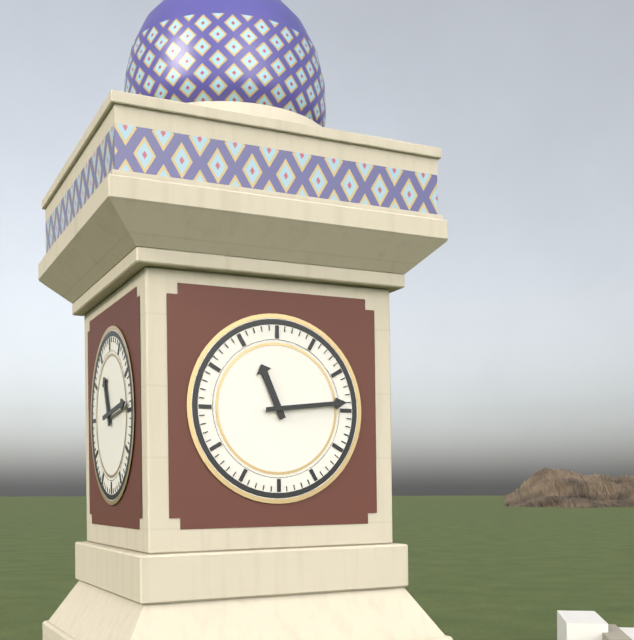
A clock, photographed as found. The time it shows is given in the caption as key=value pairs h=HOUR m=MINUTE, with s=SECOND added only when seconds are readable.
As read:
h=11 m=14
